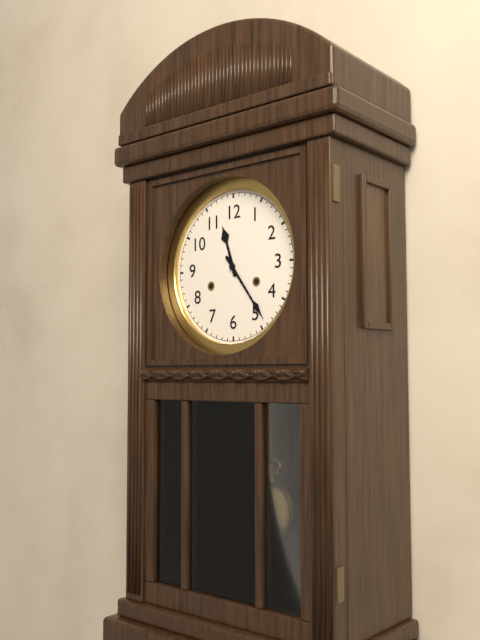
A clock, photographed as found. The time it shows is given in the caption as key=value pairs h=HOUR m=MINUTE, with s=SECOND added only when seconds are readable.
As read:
h=11 m=24
